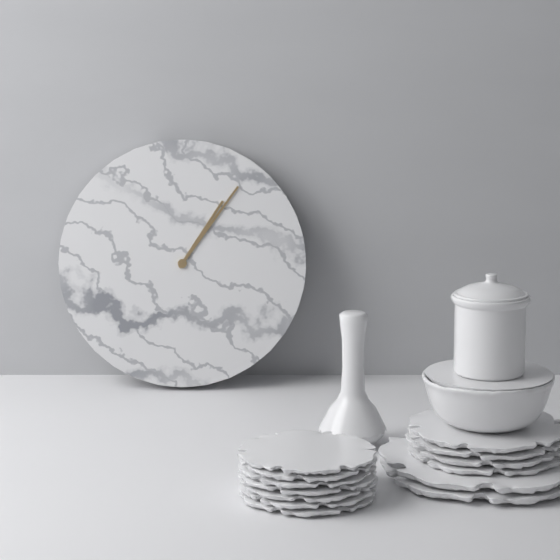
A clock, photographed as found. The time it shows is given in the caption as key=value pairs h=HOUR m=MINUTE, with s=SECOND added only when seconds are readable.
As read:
h=1 m=6
